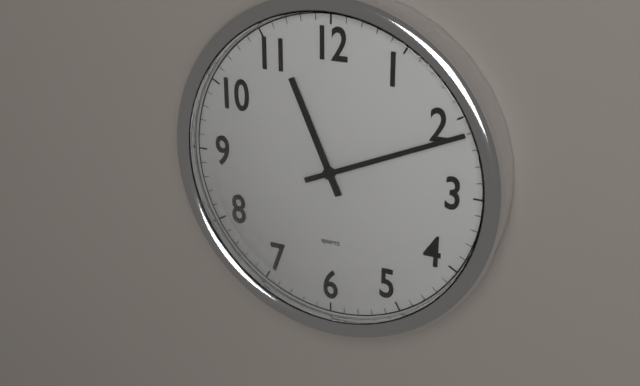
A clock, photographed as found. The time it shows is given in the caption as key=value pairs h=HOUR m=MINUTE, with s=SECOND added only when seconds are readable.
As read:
h=11 m=11
